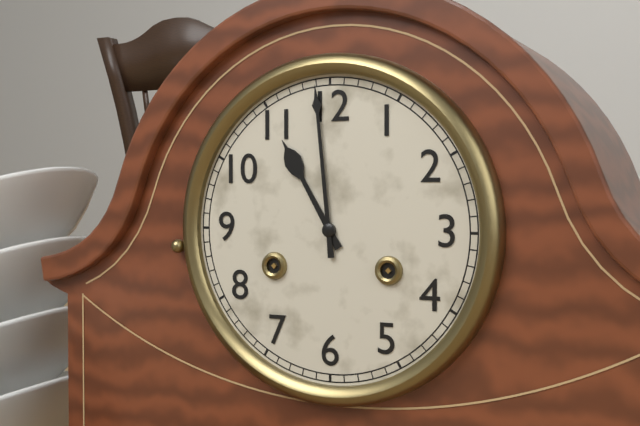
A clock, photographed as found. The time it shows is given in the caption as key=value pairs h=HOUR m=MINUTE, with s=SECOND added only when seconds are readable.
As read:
h=10 m=59
